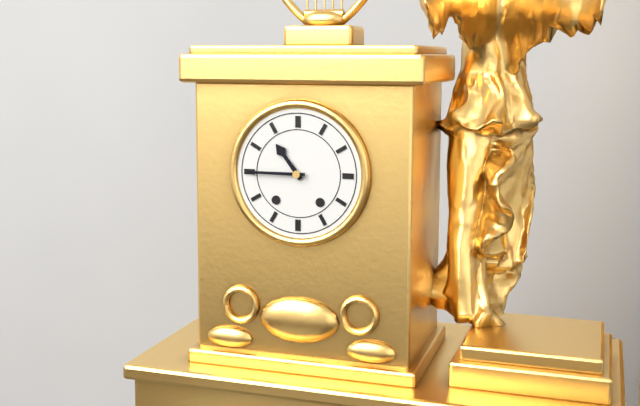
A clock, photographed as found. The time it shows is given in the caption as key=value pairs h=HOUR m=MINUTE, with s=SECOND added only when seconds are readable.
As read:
h=10 m=45
